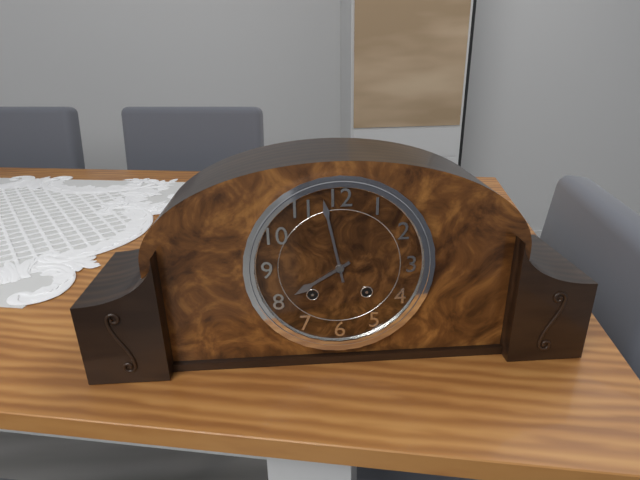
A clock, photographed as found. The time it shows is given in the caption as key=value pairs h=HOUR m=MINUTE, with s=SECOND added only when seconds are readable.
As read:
h=7 m=58
